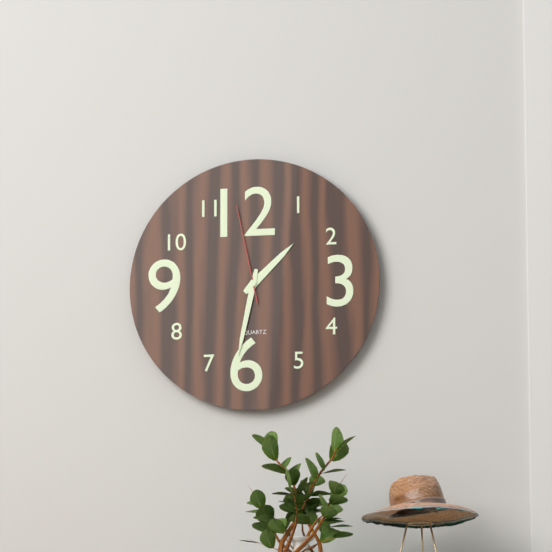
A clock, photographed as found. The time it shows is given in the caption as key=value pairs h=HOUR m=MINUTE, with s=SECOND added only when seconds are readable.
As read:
h=1 m=32 s=58
